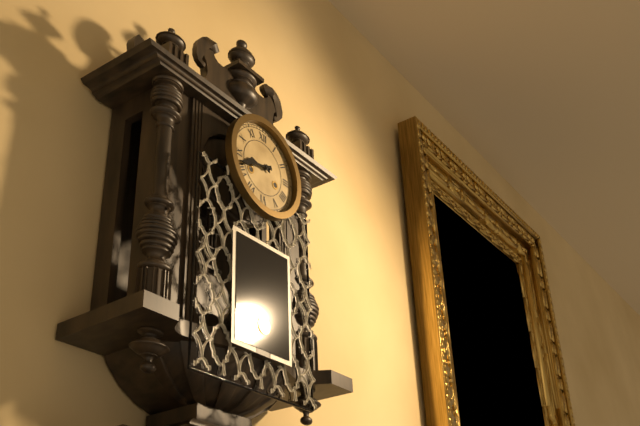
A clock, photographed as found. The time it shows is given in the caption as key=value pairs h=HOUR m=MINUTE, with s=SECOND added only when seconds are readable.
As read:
h=8 m=42
